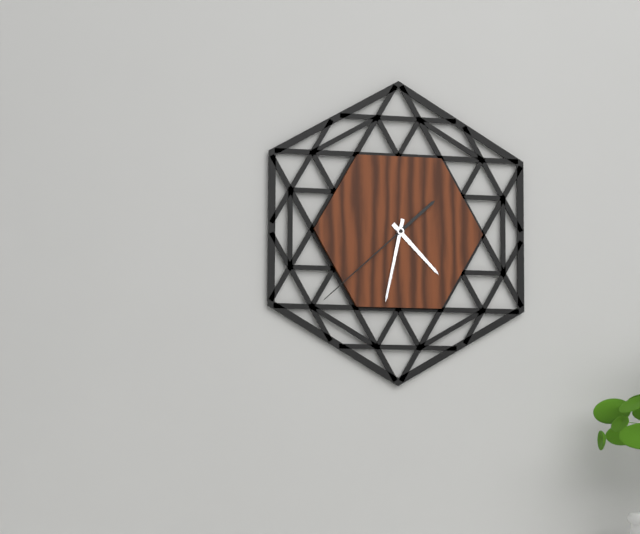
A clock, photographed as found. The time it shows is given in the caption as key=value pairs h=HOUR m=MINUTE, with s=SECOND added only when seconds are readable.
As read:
h=4 m=32 s=38
